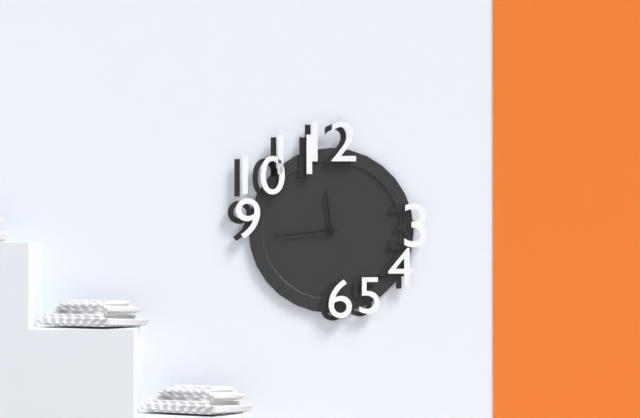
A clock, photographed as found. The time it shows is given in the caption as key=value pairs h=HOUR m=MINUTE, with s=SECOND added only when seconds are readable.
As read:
h=11 m=44
